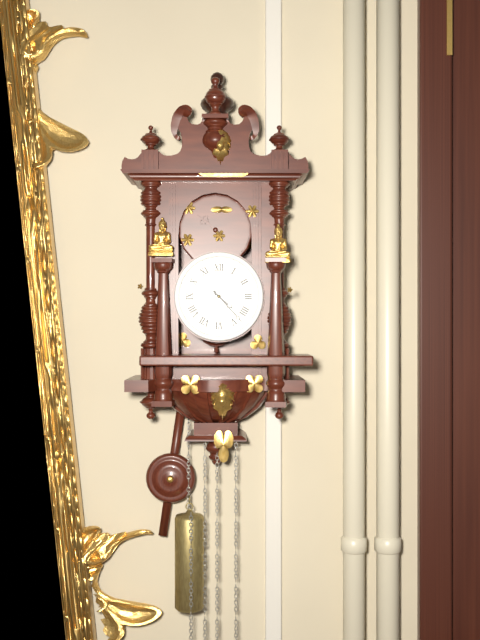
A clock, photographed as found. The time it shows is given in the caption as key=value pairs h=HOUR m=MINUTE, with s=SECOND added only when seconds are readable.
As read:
h=4 m=23
